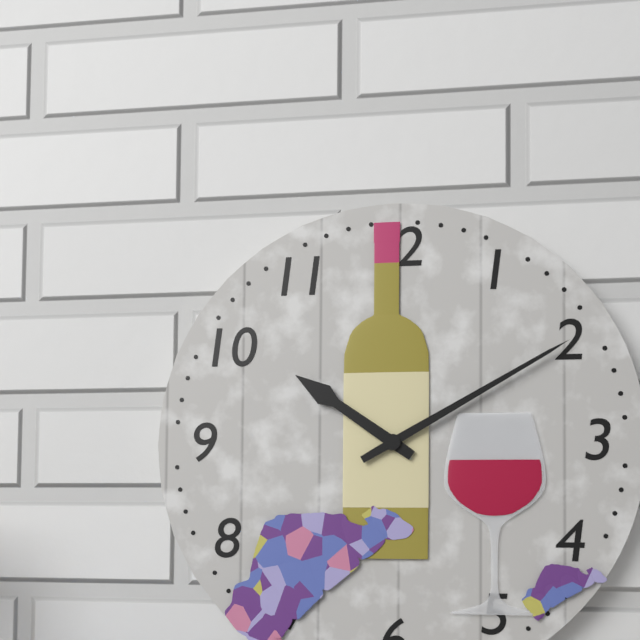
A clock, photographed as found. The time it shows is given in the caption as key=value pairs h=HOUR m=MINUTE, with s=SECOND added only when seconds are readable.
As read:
h=10 m=10
